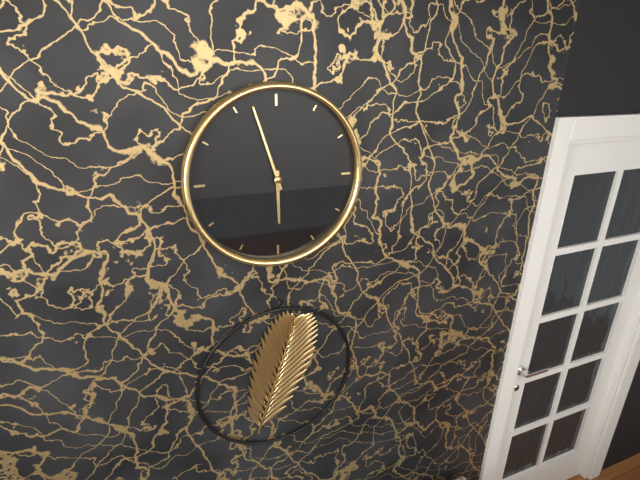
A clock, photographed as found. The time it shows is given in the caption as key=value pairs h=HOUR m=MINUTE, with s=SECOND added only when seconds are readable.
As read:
h=5 m=57
